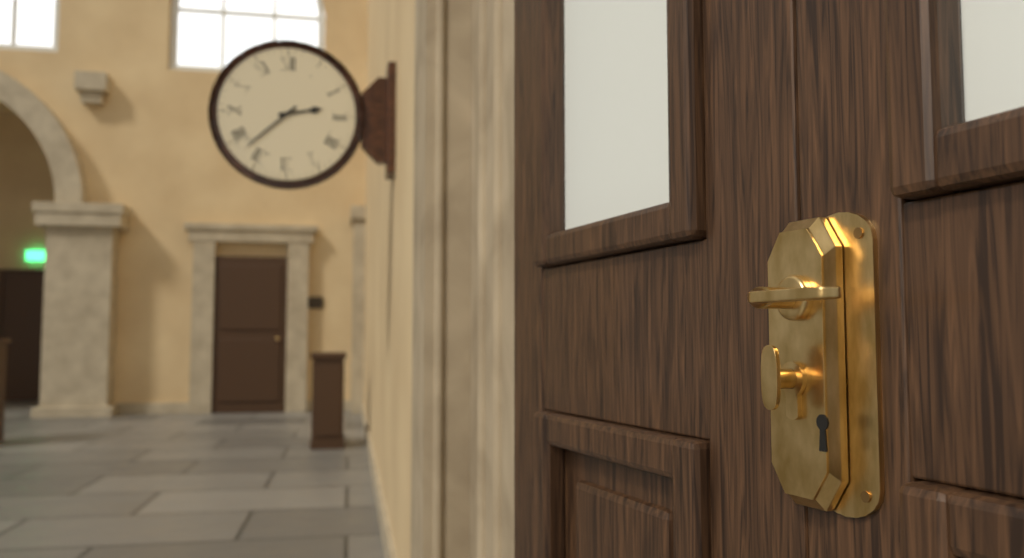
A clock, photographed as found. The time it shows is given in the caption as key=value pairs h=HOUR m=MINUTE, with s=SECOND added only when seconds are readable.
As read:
h=2 m=38
